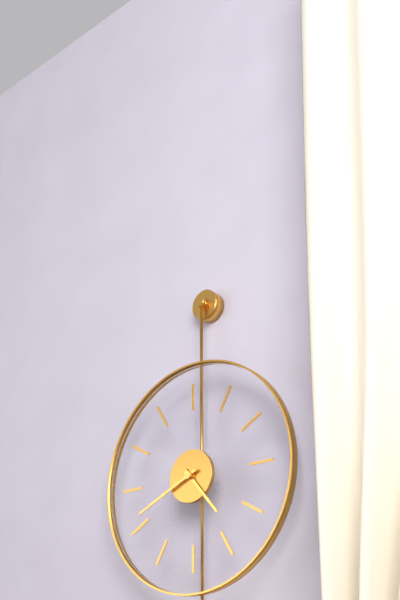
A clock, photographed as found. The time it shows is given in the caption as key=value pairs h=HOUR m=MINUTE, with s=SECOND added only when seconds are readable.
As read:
h=4 m=41
